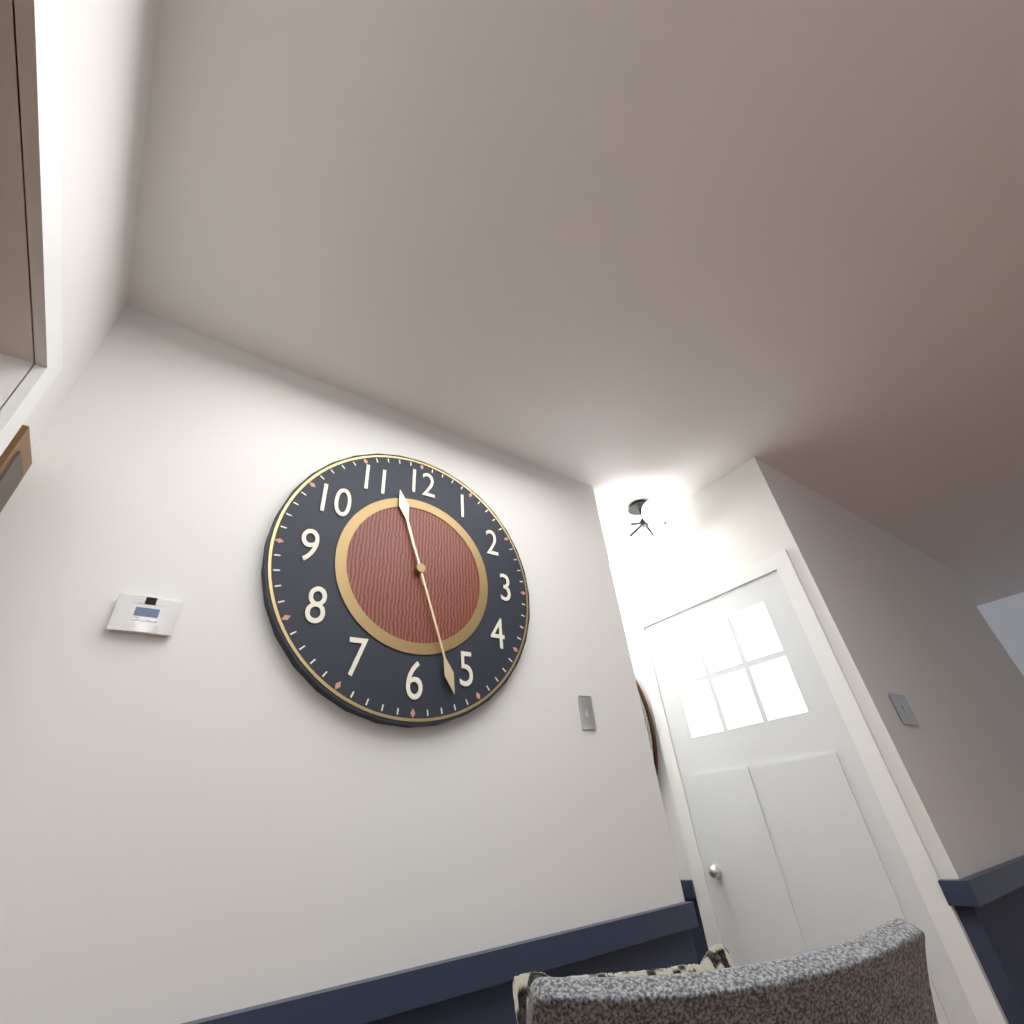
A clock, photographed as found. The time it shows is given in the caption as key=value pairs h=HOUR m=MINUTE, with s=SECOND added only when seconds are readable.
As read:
h=11 m=27
